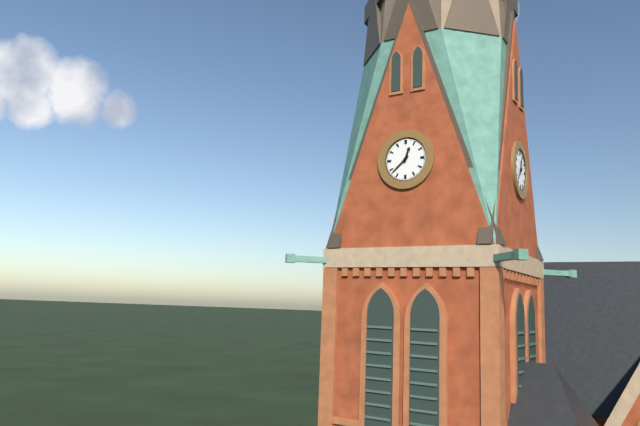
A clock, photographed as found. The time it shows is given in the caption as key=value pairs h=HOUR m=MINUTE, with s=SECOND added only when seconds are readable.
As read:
h=12 m=38
